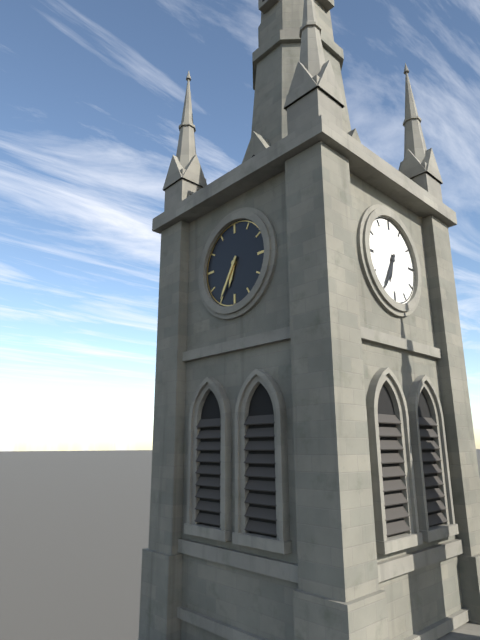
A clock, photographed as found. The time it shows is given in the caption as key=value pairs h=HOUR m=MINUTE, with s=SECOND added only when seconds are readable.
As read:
h=6 m=35
